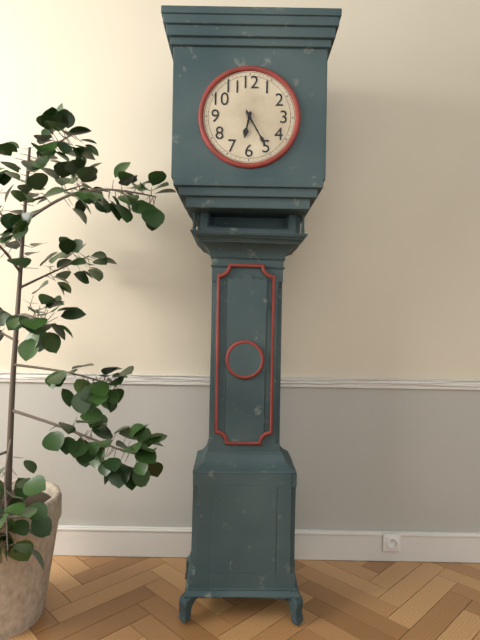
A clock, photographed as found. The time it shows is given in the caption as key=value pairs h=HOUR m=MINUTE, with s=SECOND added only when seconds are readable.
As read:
h=6 m=25
